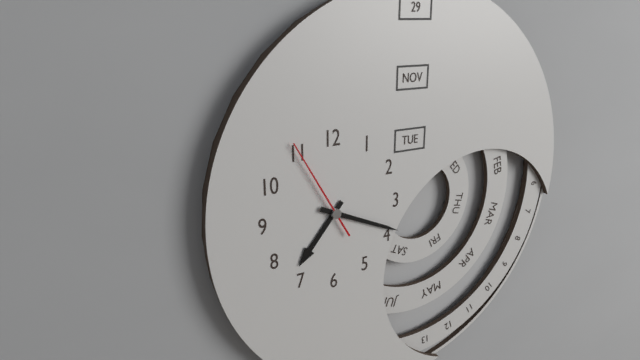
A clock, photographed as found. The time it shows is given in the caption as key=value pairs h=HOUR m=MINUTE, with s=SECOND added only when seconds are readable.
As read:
h=7 m=19 s=55
